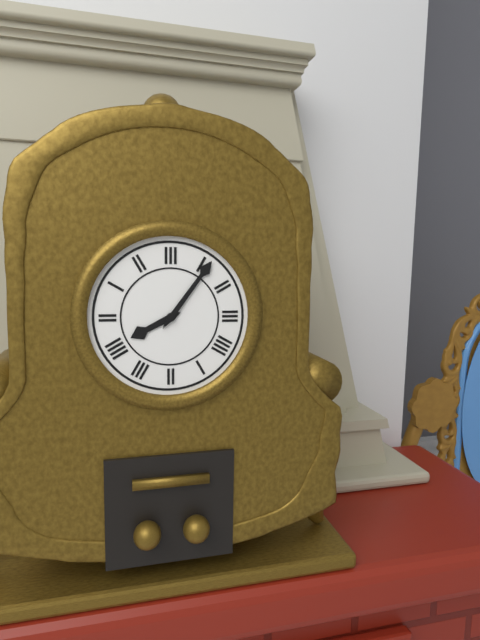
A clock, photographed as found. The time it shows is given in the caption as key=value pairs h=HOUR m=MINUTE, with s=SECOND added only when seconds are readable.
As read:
h=8 m=6
